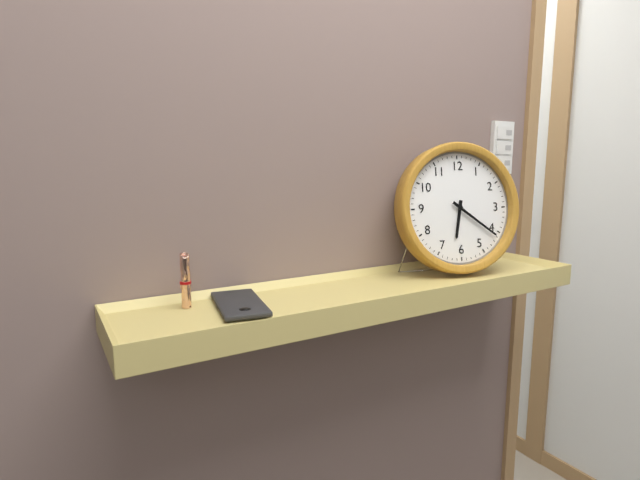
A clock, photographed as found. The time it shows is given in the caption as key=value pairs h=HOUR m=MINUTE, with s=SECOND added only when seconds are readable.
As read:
h=6 m=21
